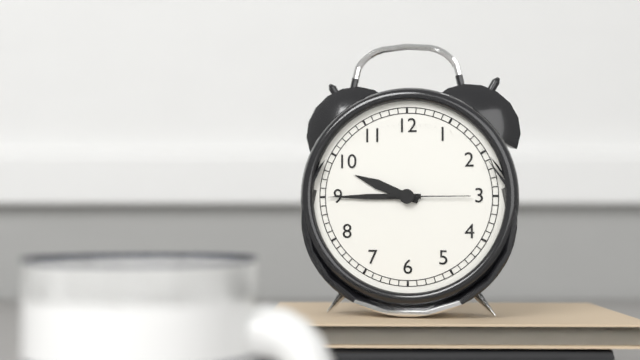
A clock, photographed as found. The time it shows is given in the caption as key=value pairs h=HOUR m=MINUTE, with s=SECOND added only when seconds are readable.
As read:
h=9 m=45 s=15
